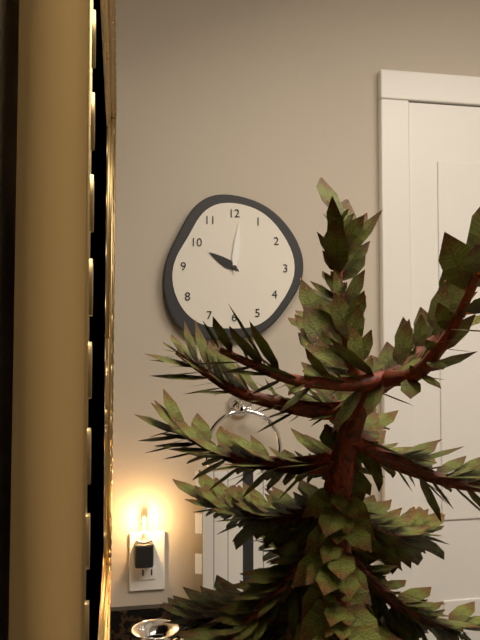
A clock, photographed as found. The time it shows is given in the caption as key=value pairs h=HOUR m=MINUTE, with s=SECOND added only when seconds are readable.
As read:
h=10 m=1
